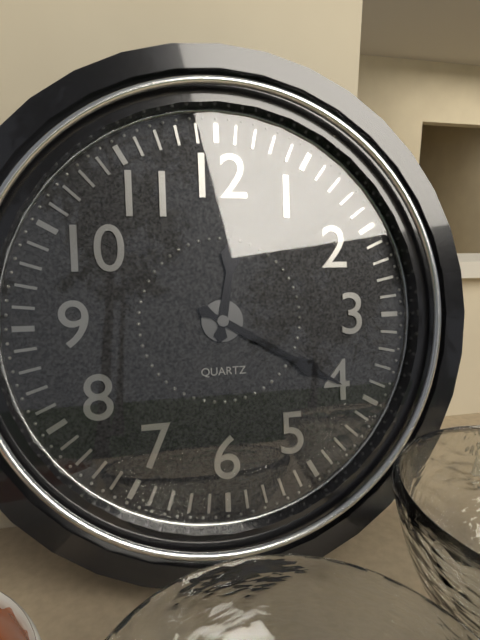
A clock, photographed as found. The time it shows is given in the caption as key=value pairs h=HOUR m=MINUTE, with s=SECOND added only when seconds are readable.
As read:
h=12 m=20
